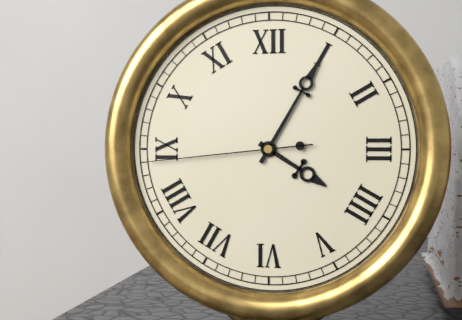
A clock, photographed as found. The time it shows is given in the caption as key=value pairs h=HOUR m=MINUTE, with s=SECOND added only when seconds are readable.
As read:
h=4 m=5 s=44
